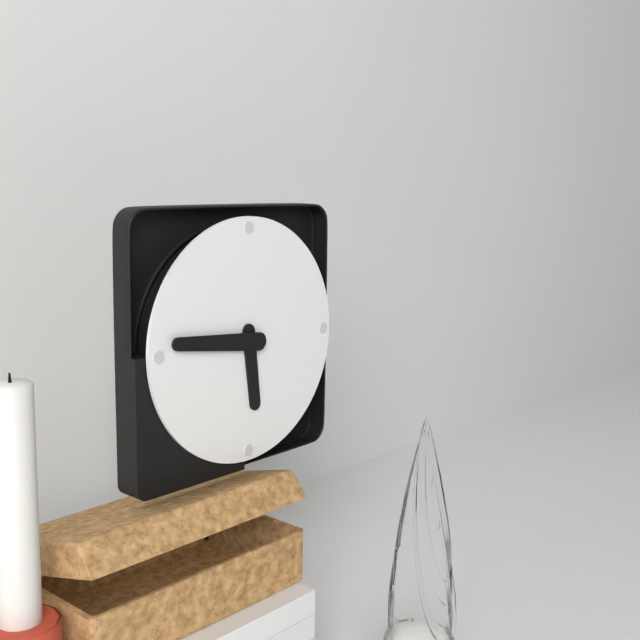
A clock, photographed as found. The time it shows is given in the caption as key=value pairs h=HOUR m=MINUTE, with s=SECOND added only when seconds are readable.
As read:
h=5 m=46
